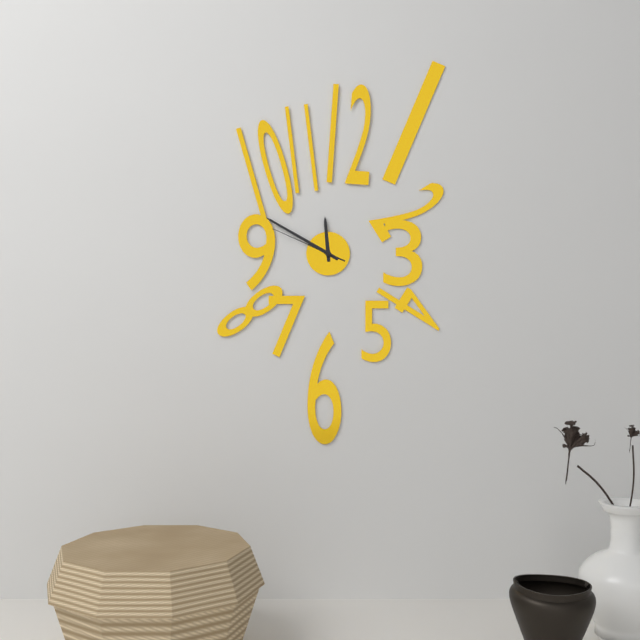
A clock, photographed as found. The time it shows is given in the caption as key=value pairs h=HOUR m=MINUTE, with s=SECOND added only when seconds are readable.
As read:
h=11 m=50 s=49
